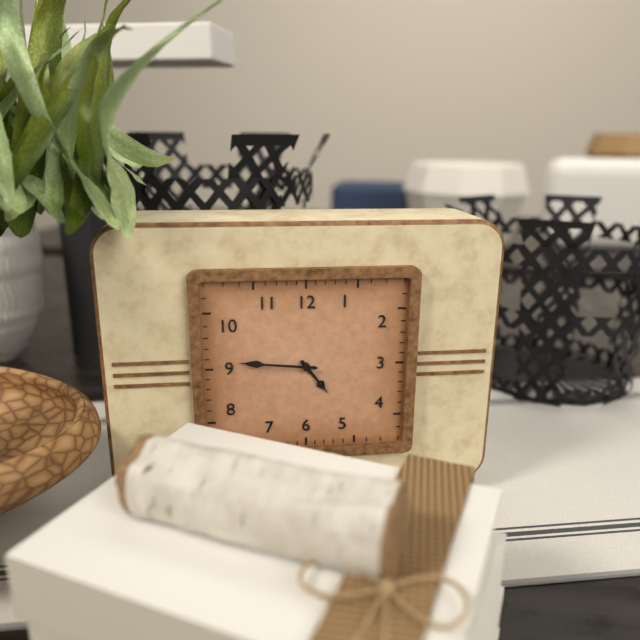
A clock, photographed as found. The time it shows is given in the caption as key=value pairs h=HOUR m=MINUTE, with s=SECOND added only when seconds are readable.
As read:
h=4 m=46
